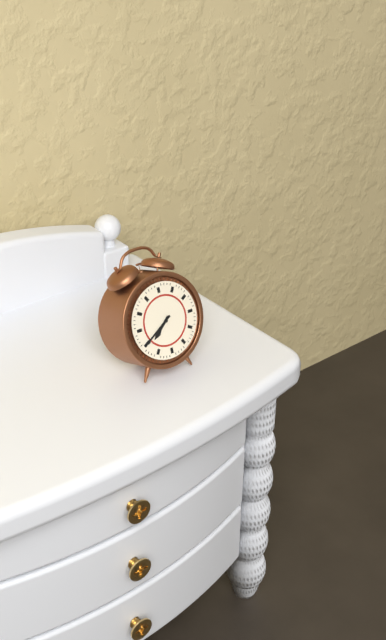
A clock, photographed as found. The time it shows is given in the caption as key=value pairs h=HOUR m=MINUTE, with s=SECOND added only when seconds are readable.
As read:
h=7 m=40
